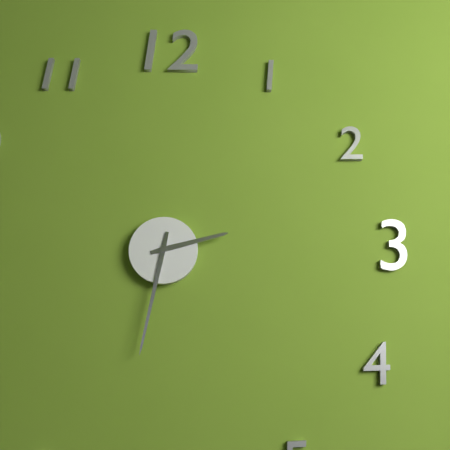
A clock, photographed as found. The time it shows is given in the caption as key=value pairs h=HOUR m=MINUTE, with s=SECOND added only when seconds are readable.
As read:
h=2 m=32
